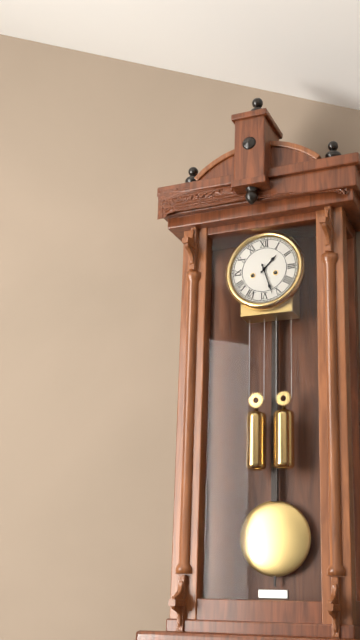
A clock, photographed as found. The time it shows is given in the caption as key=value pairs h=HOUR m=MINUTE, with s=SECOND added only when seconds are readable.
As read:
h=1 m=27
